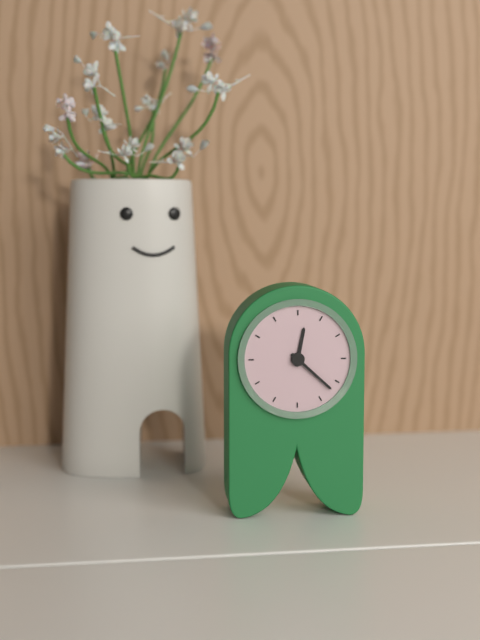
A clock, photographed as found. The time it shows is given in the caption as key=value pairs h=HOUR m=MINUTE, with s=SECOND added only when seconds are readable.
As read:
h=12 m=22
